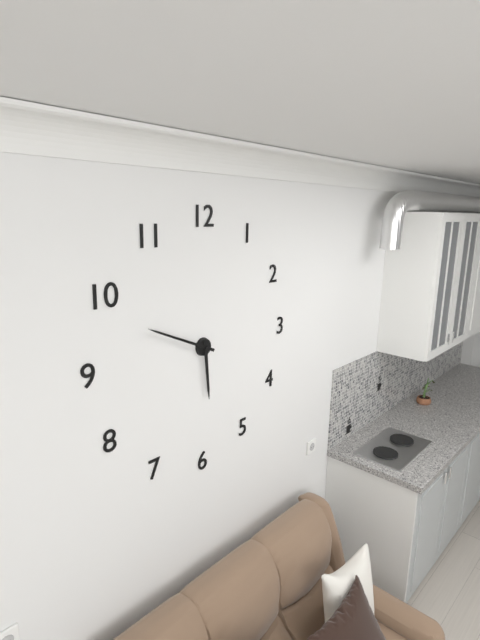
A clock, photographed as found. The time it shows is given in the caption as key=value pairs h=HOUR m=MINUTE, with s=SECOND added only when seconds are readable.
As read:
h=5 m=49
